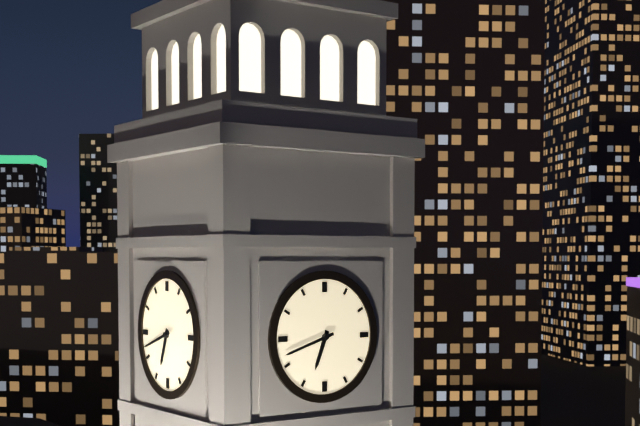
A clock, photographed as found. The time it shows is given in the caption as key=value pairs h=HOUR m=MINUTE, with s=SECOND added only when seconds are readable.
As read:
h=6 m=42
